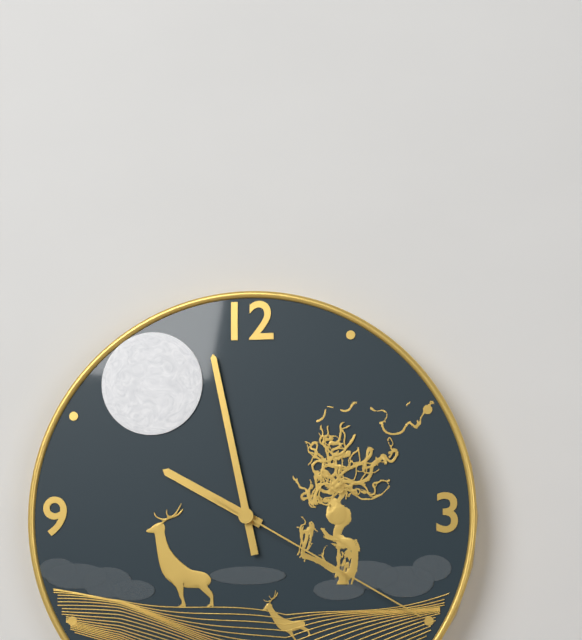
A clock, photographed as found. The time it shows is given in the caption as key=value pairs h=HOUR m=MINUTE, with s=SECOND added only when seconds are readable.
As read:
h=9 m=58 s=20
